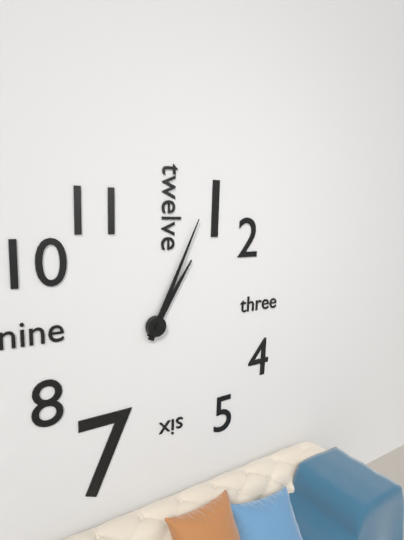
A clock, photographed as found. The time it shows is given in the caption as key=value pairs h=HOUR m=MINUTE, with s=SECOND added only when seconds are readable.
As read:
h=1 m=4
